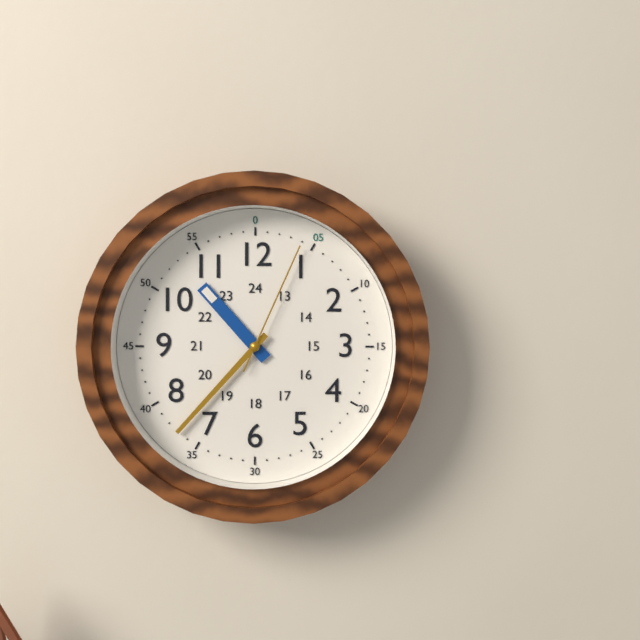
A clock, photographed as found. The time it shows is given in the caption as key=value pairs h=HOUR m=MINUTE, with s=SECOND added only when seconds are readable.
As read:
h=10 m=37 s=4
